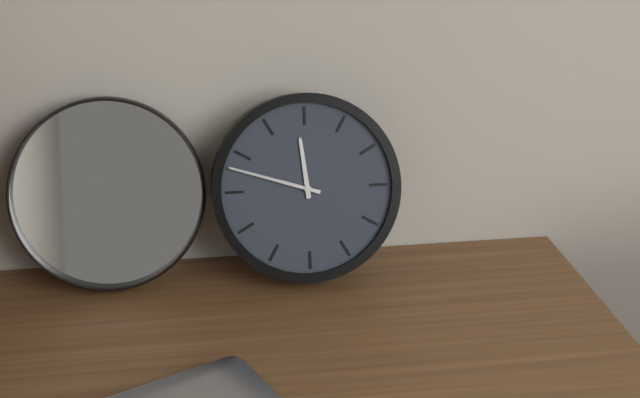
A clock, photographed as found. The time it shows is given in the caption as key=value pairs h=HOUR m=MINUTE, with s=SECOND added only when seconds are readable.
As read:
h=11 m=48
